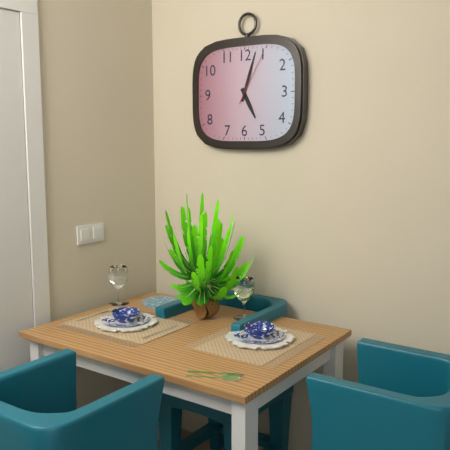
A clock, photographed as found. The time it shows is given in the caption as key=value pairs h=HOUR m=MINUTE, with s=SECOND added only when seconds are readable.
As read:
h=5 m=3 s=5
